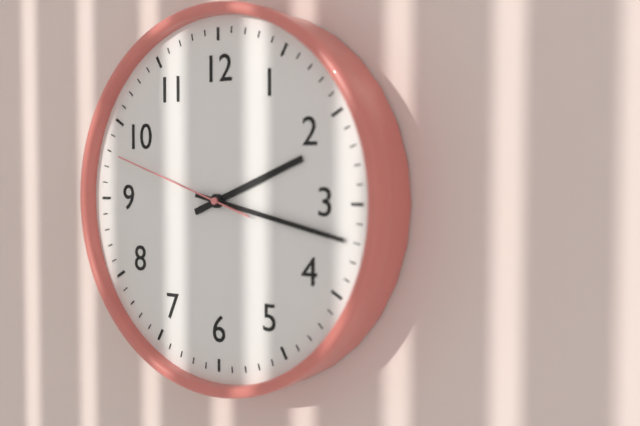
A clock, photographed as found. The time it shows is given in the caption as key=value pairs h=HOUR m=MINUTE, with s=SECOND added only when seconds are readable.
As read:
h=2 m=17 s=48
